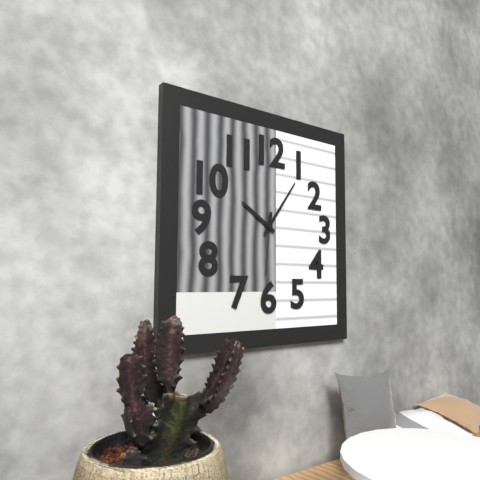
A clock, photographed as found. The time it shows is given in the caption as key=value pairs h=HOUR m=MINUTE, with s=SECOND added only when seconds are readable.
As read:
h=10 m=6 s=31
